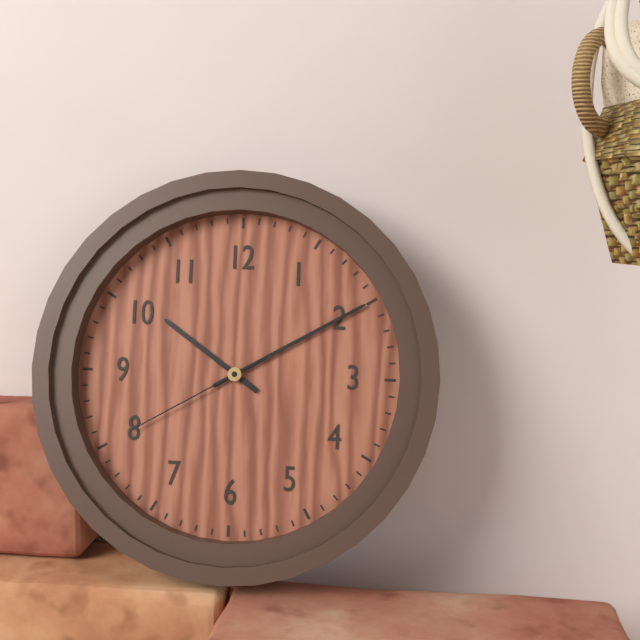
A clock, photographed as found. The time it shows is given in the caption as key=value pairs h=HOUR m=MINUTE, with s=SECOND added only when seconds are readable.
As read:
h=10 m=10 s=40
